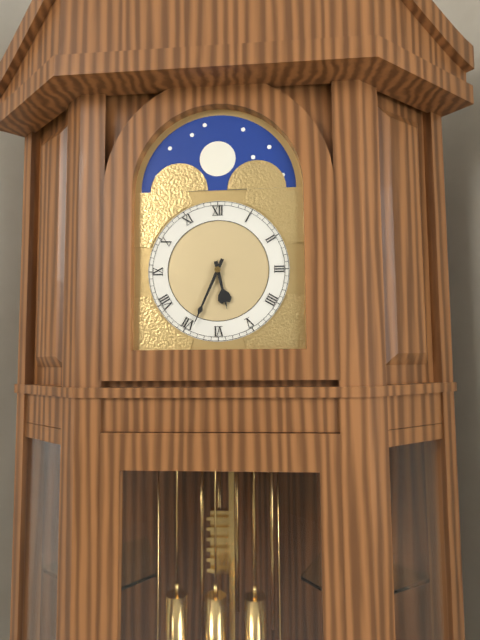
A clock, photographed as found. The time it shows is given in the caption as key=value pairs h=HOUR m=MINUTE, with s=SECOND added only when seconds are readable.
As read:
h=5 m=34
